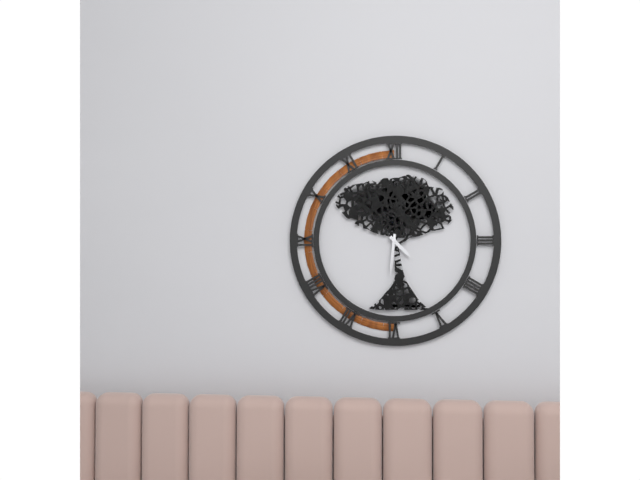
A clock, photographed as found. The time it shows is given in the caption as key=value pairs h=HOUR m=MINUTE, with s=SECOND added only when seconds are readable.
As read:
h=4 m=31
